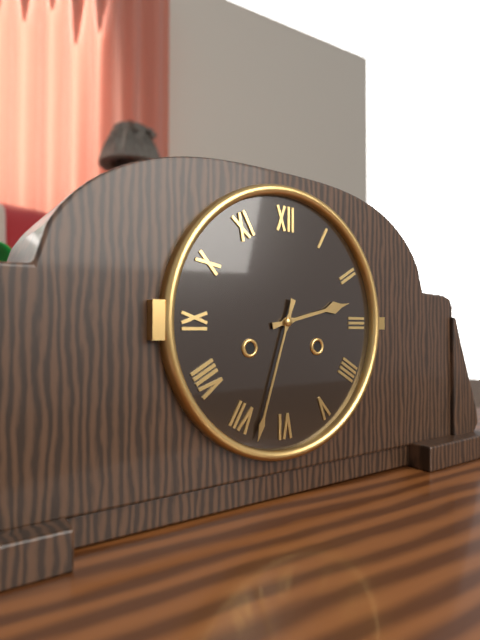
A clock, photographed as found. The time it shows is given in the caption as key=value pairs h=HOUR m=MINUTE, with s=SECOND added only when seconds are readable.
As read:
h=2 m=33
